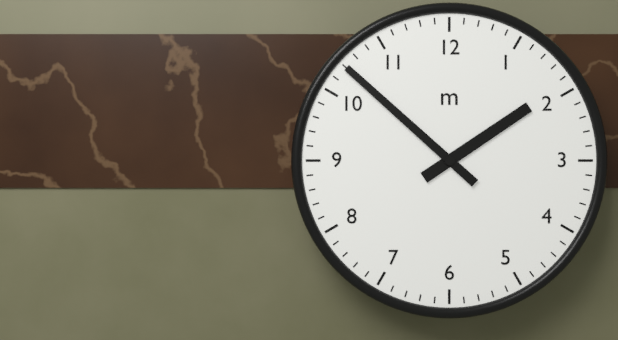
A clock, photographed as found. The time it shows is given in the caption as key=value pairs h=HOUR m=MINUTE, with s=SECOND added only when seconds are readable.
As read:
h=1 m=52
